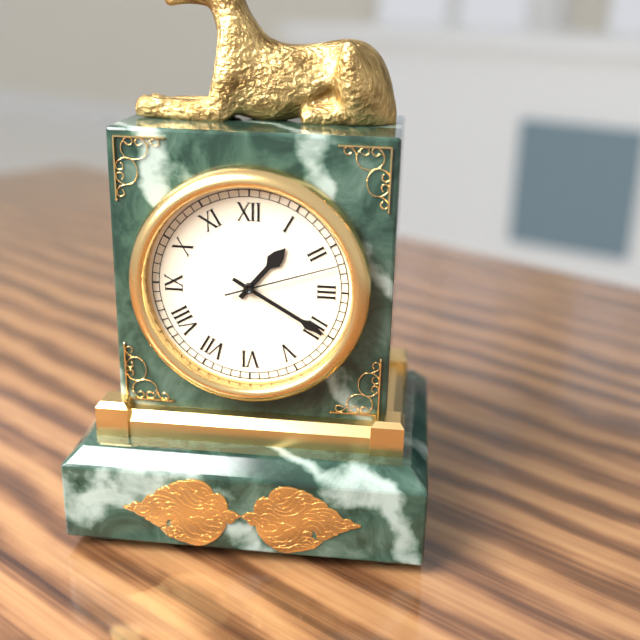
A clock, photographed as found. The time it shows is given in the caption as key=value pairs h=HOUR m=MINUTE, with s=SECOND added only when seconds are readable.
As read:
h=1 m=20 s=12
